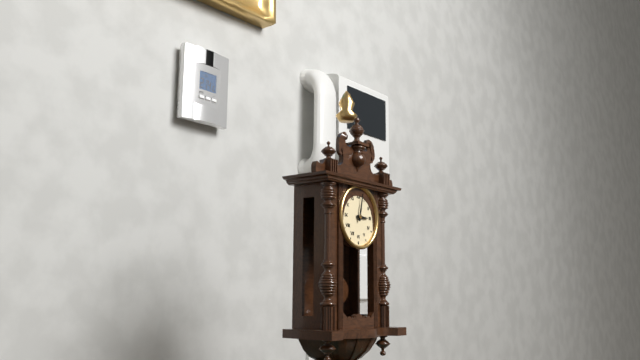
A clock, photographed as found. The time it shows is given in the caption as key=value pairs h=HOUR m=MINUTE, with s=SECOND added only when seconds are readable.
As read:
h=3 m=2
